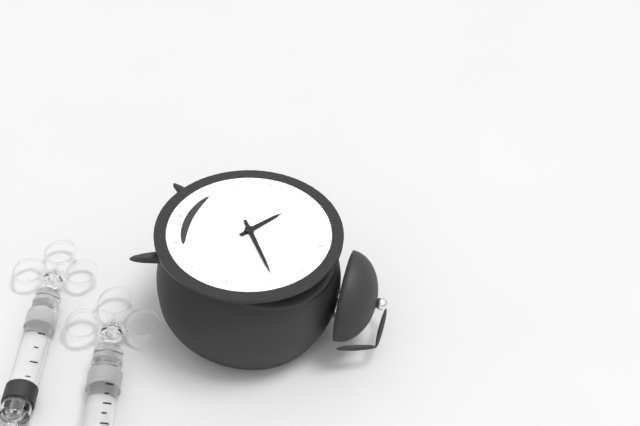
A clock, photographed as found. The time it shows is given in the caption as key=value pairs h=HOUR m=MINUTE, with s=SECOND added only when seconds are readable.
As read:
h=10 m=9
